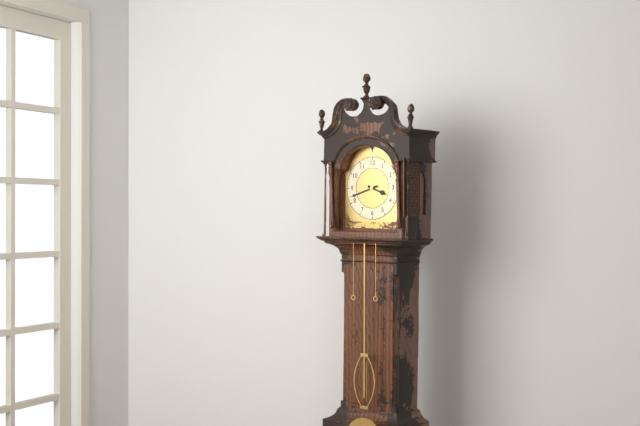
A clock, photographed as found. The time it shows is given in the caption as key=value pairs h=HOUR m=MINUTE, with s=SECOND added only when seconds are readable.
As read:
h=3 m=42
